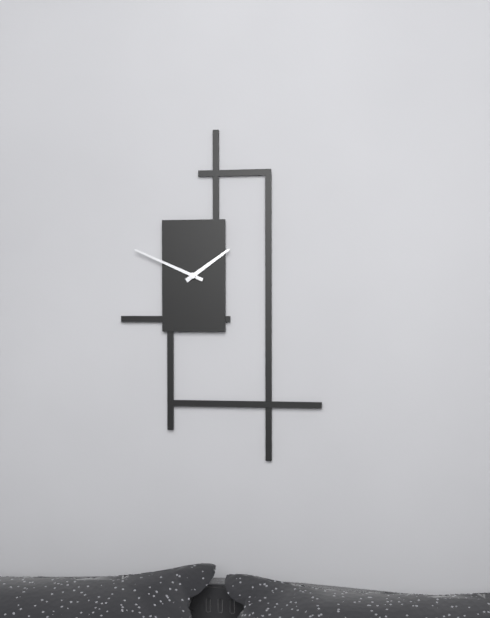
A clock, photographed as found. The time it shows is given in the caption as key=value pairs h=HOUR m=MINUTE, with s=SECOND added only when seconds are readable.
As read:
h=1 m=49
